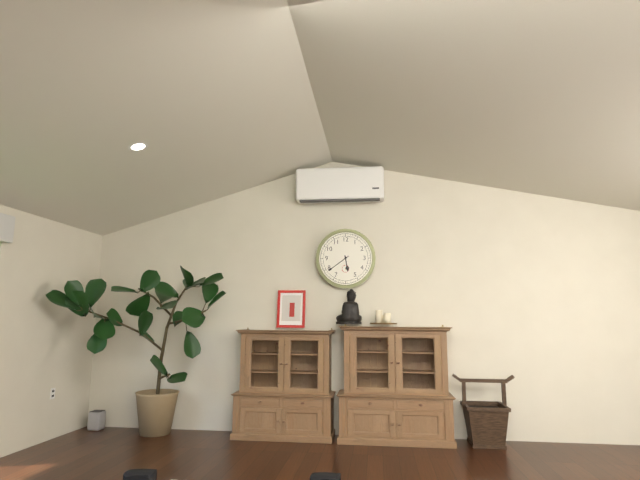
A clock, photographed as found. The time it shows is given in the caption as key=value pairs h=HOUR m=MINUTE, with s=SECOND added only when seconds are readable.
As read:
h=5 m=39
